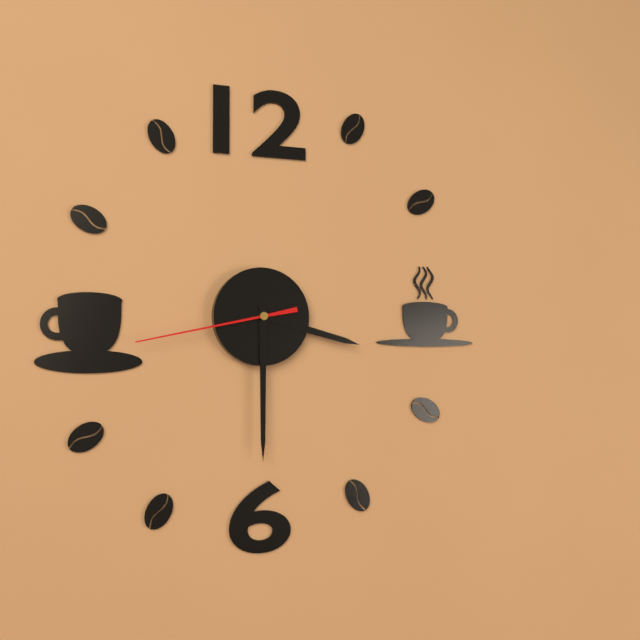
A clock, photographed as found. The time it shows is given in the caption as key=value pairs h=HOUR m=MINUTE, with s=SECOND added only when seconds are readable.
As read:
h=3 m=30 s=43
